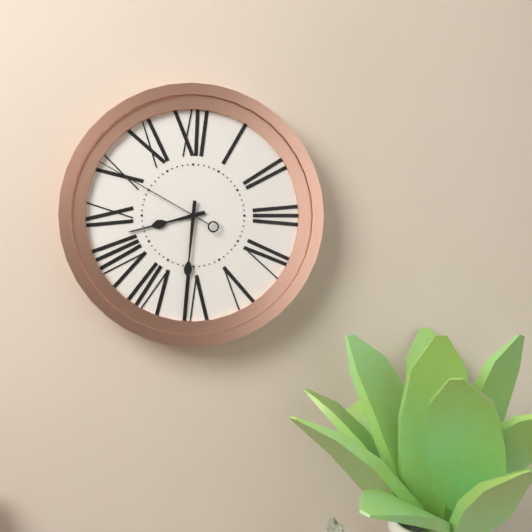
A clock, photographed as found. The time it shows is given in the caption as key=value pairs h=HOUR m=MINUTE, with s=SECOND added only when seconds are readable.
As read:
h=8 m=31 s=50
